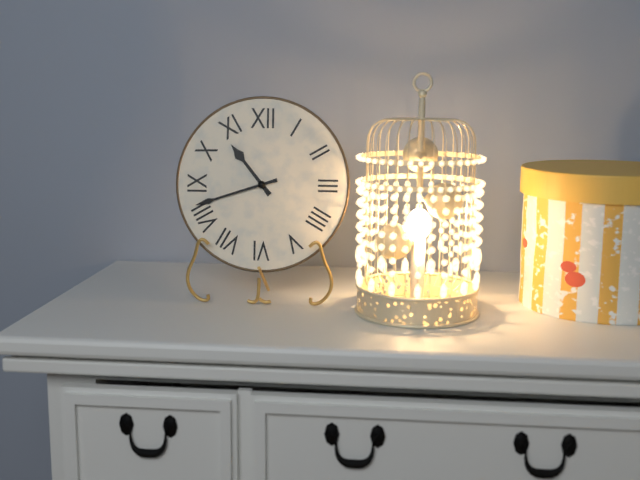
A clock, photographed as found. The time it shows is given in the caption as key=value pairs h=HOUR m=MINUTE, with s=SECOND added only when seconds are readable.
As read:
h=10 m=42
